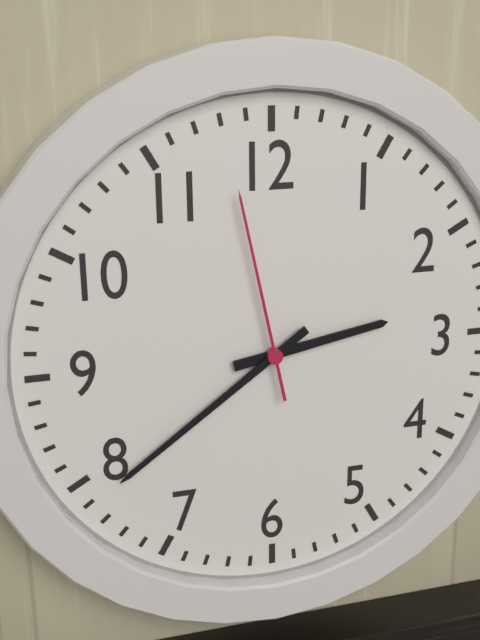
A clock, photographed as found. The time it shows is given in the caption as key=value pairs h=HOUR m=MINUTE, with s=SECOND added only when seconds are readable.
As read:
h=2 m=39 s=58
